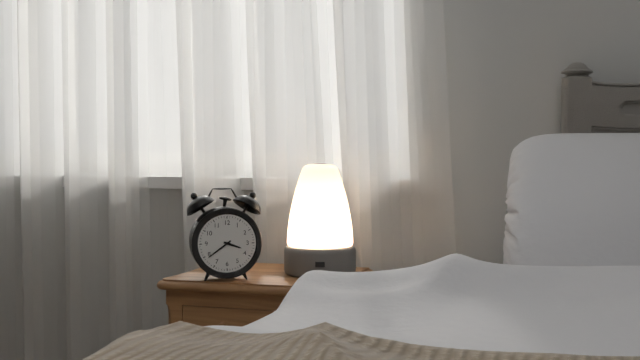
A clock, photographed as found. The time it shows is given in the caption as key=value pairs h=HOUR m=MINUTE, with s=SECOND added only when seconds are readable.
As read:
h=3 m=39
